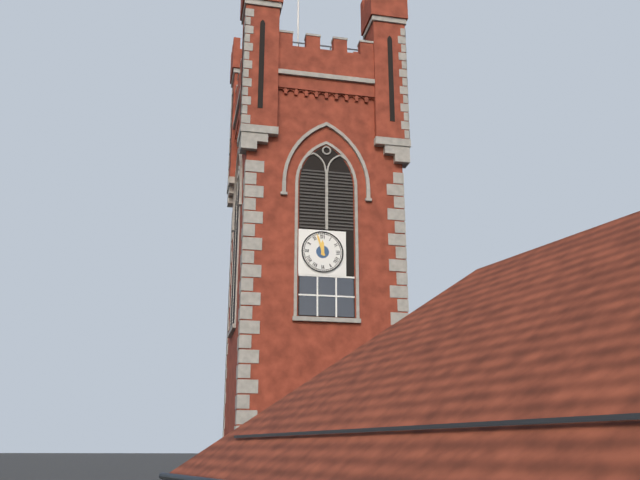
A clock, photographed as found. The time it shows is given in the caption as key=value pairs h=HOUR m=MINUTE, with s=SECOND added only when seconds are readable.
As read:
h=11 m=57
